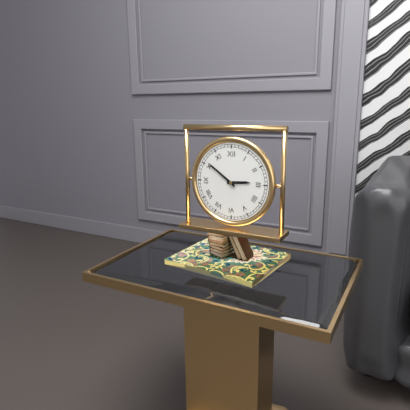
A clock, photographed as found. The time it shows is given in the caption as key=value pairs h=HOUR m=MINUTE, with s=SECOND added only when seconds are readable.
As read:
h=2 m=51
